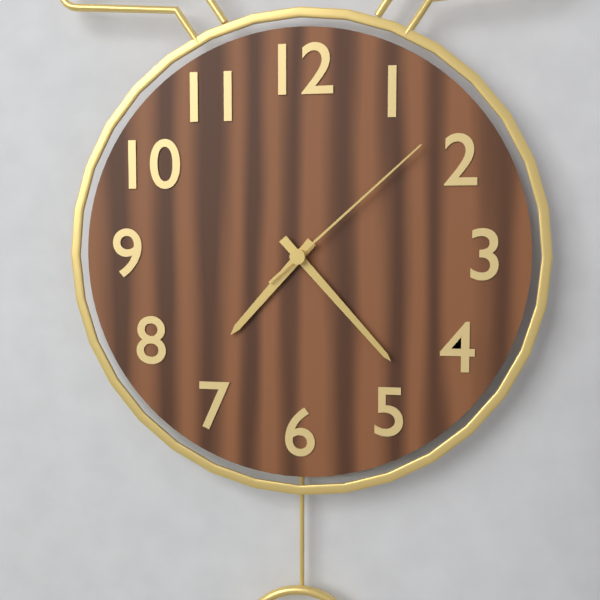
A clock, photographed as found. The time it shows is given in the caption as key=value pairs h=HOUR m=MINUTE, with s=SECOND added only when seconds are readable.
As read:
h=7 m=23 s=8
